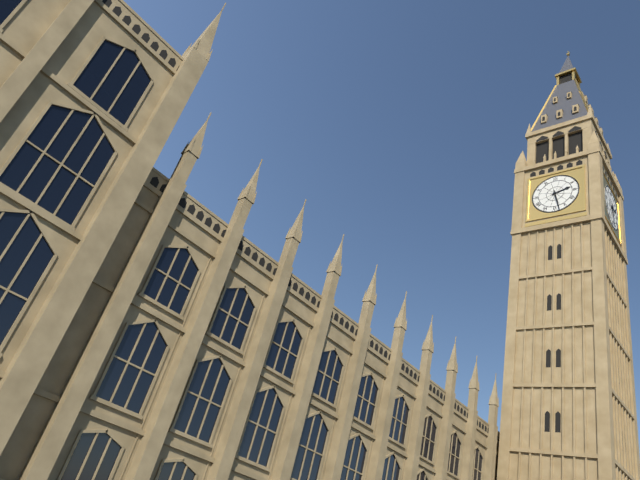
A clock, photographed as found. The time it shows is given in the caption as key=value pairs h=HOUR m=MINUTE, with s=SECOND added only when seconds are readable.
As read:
h=2 m=28
